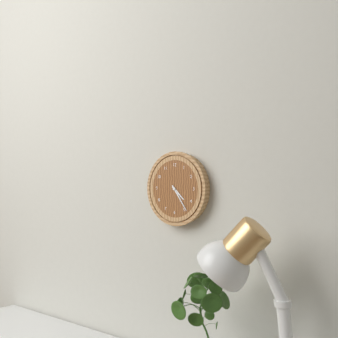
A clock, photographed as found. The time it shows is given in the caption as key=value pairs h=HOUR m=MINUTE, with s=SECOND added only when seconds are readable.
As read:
h=4 m=24
